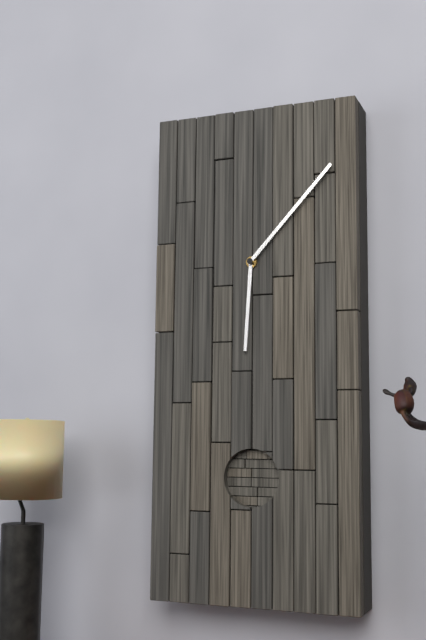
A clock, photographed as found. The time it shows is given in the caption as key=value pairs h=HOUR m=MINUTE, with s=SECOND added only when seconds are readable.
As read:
h=6 m=7
